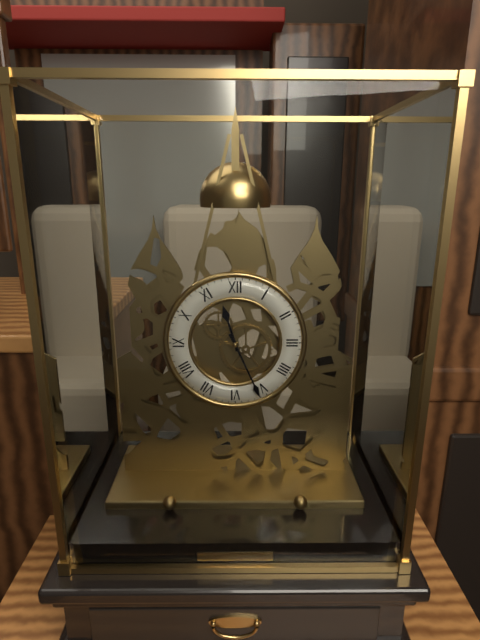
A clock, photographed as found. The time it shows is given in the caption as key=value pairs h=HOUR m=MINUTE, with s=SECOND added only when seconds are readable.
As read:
h=11 m=26
